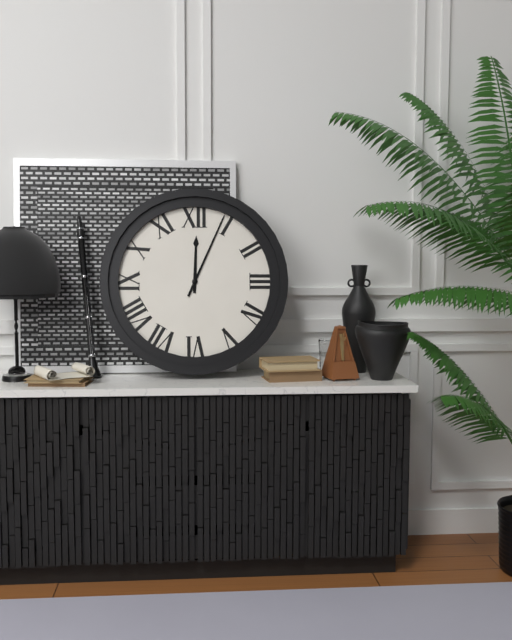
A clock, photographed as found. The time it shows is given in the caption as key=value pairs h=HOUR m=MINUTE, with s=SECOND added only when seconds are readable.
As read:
h=12 m=4
